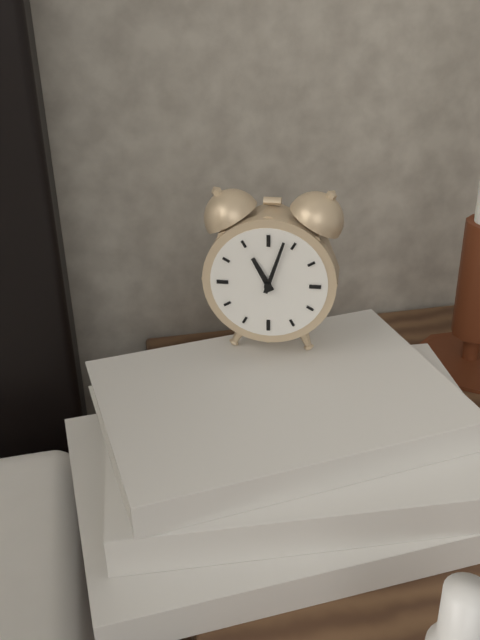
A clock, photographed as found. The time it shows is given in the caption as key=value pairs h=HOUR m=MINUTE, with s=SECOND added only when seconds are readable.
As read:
h=11 m=3
